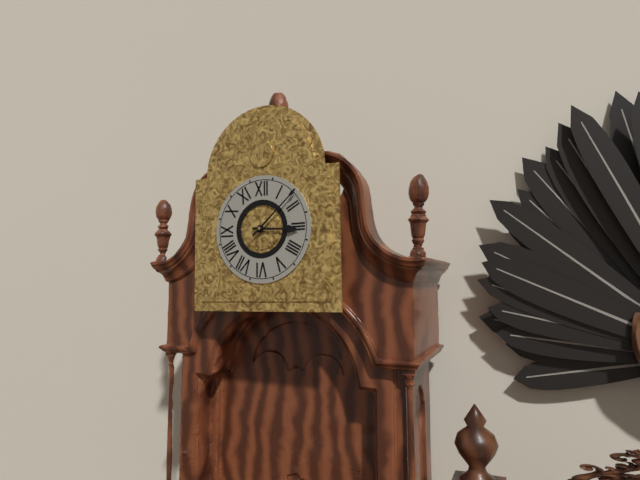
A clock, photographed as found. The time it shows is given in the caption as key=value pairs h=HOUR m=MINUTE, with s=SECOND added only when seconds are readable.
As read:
h=3 m=8
